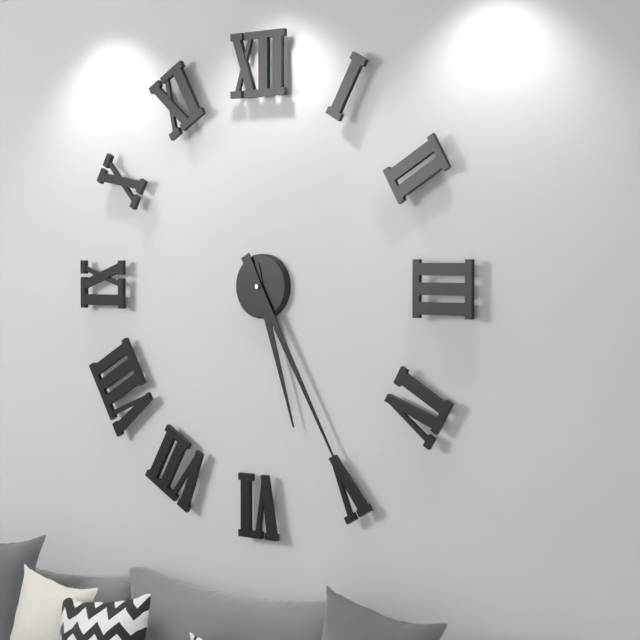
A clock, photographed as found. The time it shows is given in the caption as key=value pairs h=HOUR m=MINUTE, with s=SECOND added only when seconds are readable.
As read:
h=5 m=25
